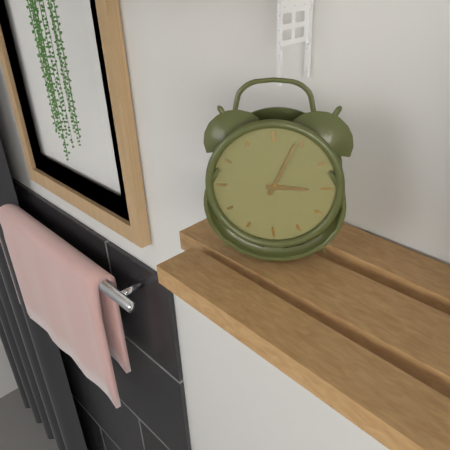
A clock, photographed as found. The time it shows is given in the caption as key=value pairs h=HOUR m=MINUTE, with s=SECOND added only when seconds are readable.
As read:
h=3 m=4
